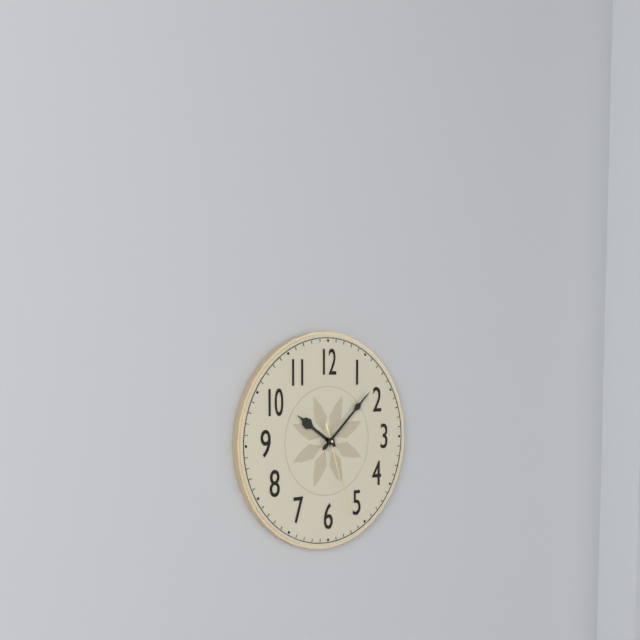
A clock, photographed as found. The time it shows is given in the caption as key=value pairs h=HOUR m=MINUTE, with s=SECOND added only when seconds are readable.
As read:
h=10 m=8 s=27
